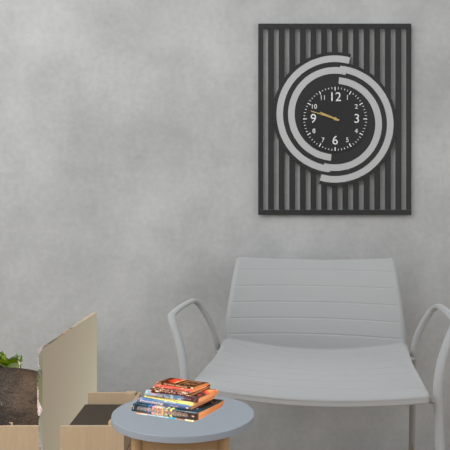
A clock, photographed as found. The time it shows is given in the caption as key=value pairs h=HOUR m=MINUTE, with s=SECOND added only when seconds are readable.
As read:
h=9 m=48
